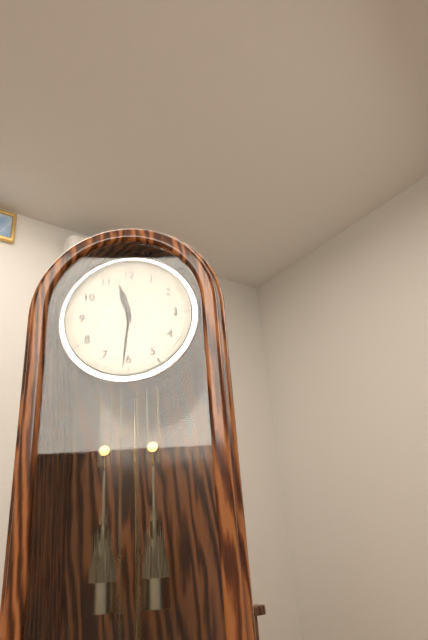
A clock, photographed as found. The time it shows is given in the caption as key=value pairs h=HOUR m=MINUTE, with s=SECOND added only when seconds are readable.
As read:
h=11 m=31
